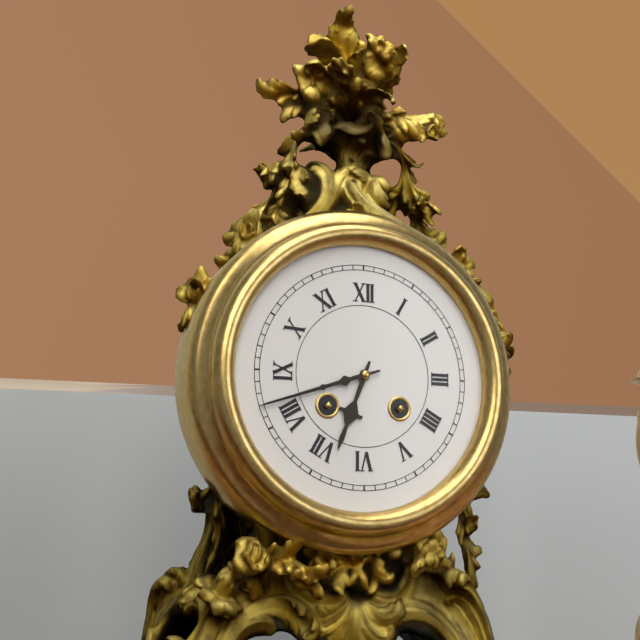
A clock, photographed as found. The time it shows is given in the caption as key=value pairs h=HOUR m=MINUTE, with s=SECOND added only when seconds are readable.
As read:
h=6 m=42
